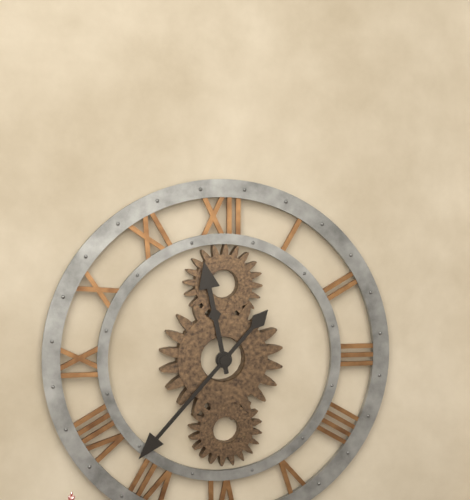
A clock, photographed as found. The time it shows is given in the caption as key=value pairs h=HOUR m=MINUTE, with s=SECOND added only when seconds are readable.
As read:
h=11 m=37
